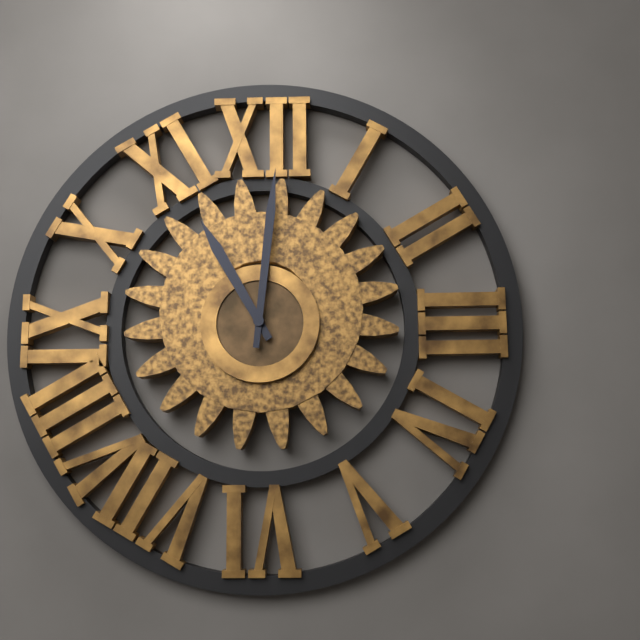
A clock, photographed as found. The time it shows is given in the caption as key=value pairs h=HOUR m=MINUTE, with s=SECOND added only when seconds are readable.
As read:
h=11 m=1
